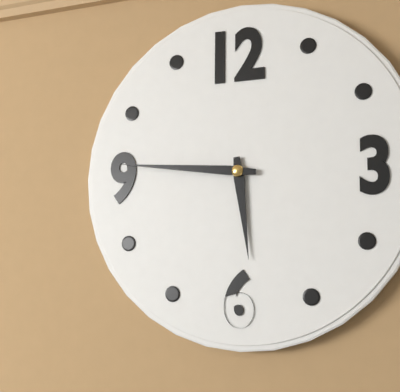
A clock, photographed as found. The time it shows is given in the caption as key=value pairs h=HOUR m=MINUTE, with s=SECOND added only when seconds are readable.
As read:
h=5 m=46
